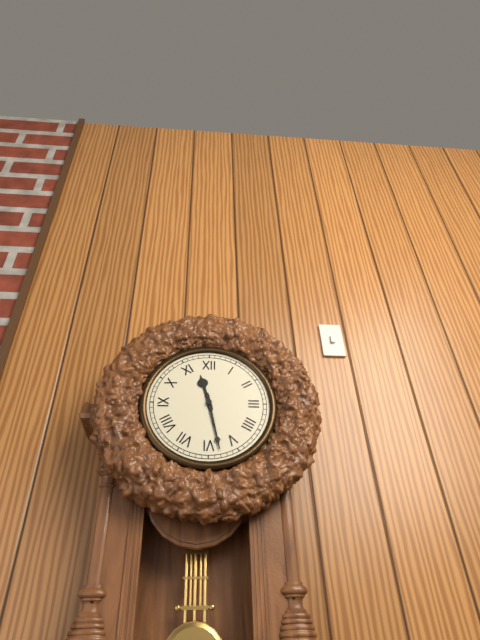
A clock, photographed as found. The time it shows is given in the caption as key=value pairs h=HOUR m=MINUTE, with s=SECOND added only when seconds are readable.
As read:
h=11 m=28
